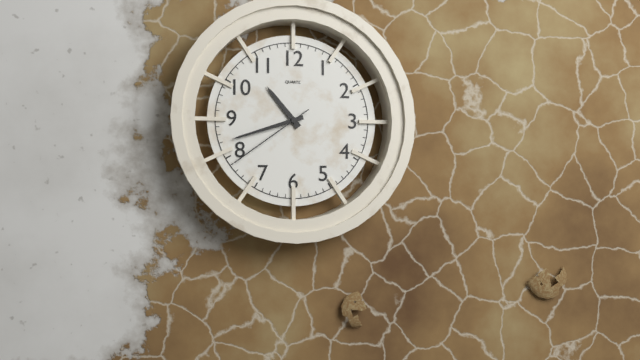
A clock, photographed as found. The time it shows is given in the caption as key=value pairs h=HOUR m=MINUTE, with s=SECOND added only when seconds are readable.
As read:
h=10 m=42 s=39
